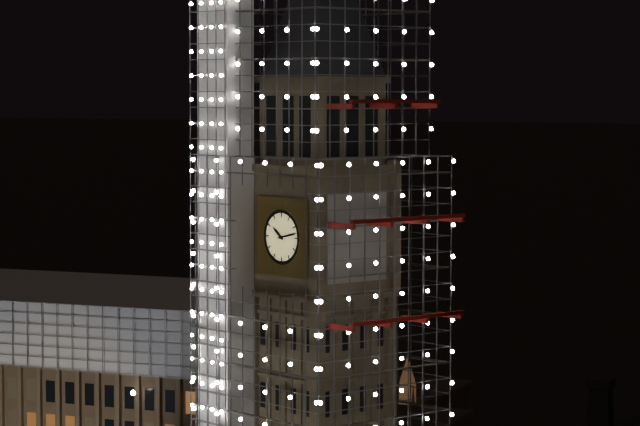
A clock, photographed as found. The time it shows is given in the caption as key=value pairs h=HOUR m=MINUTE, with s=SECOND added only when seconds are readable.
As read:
h=10 m=13
